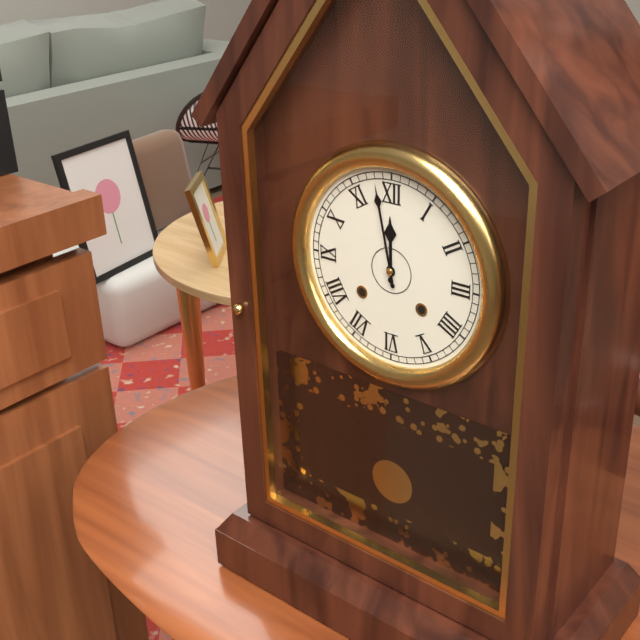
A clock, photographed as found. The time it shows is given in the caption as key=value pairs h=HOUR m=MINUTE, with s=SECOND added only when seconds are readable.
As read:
h=11 m=58
